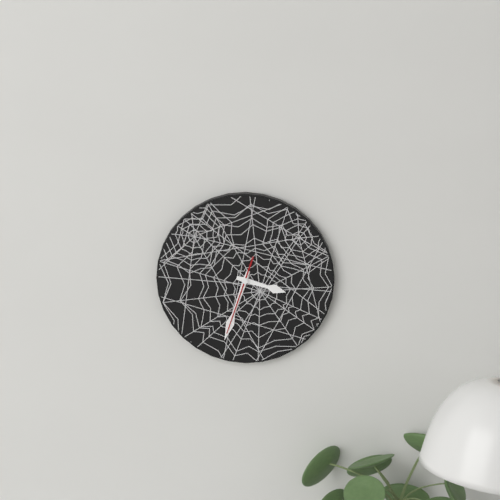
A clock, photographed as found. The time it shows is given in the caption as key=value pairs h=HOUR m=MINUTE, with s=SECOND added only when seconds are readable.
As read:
h=3 m=33 s=33
